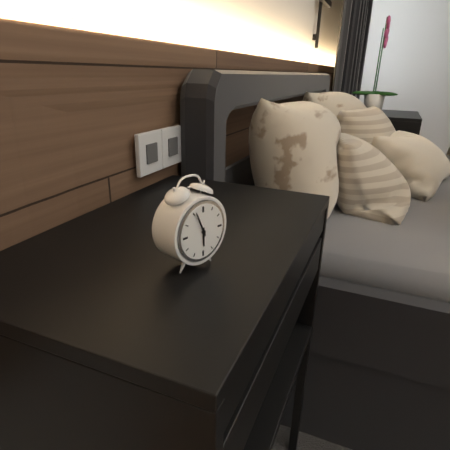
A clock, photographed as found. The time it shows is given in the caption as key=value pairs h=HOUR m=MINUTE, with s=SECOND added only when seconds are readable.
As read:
h=5 m=56
